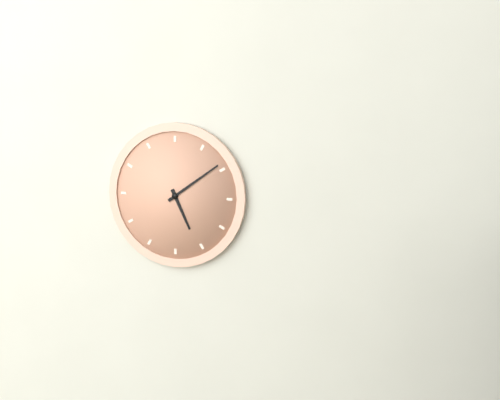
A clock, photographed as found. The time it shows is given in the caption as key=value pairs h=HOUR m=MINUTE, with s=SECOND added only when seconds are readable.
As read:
h=5 m=9
